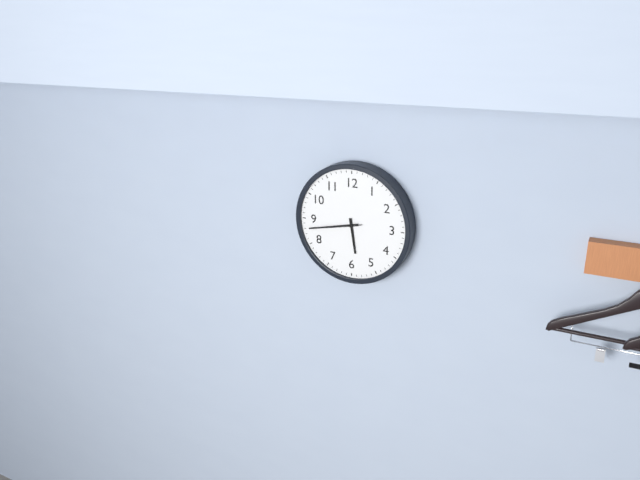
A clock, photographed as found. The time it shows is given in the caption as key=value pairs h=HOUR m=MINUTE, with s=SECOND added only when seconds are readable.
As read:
h=5 m=43
